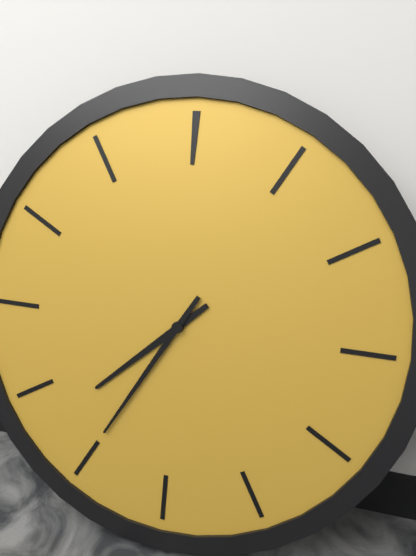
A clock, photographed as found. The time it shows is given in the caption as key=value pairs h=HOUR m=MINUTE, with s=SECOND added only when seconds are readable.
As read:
h=7 m=35
